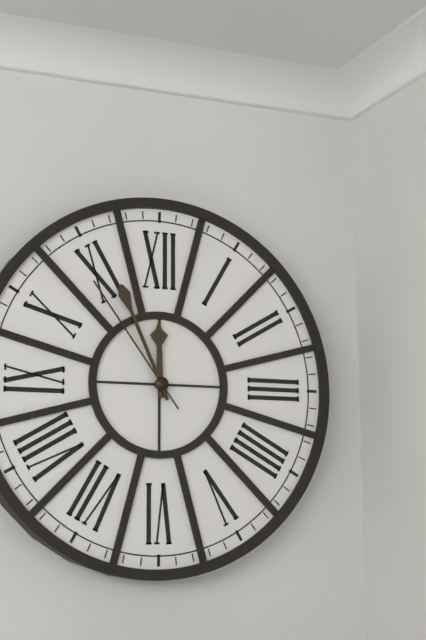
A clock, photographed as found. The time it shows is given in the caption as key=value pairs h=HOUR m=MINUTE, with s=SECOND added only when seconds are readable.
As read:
h=11 m=56 s=54
